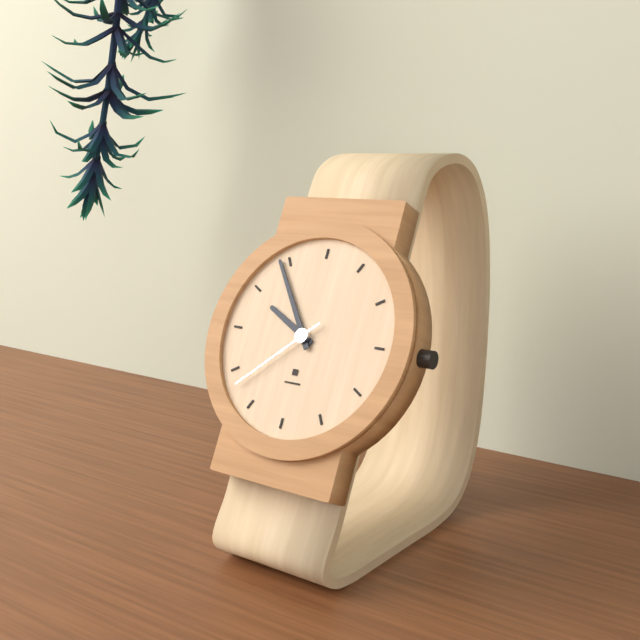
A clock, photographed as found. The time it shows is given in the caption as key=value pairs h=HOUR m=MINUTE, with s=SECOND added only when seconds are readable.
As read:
h=9 m=54 s=38
